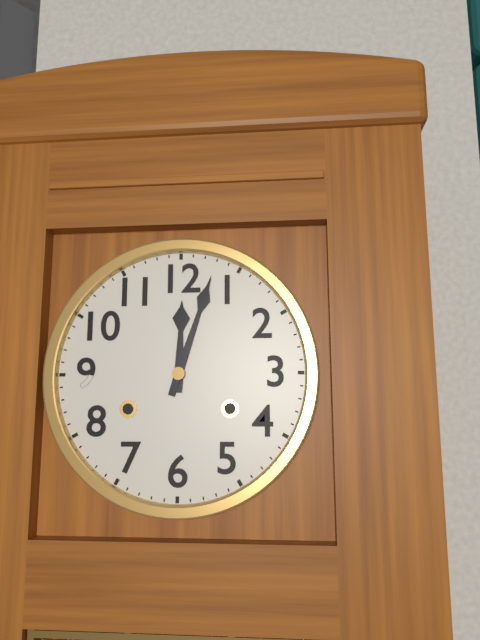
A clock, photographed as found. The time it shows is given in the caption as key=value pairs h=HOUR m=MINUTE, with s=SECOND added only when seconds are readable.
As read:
h=12 m=3
